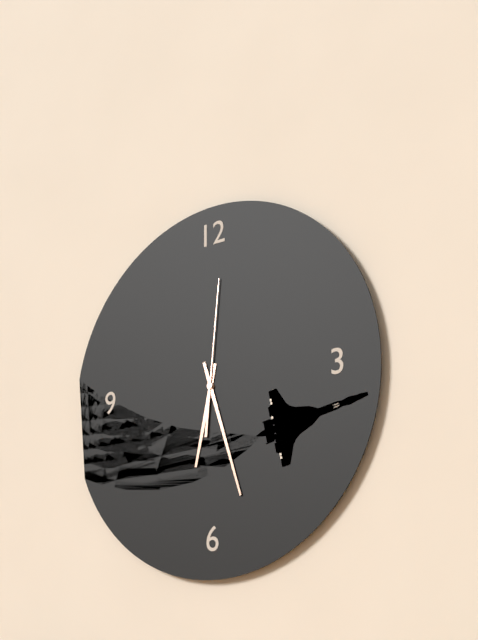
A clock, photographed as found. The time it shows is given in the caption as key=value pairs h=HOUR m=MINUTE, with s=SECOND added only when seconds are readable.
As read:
h=6 m=27 s=1
